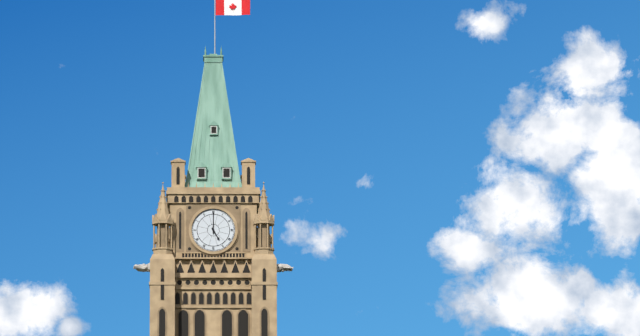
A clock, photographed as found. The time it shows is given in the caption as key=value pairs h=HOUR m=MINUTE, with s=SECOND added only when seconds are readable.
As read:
h=5 m=0
